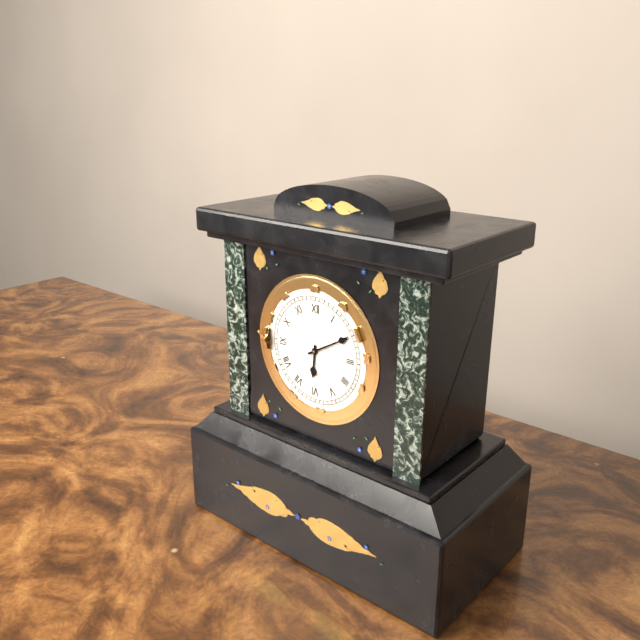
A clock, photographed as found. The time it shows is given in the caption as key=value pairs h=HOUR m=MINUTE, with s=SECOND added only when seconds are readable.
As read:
h=6 m=10
